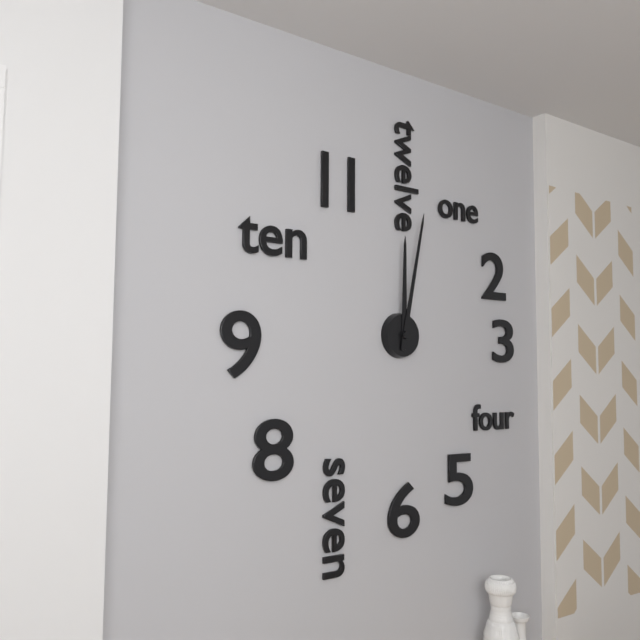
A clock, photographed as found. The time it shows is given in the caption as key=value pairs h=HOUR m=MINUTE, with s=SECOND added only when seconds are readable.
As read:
h=12 m=2
